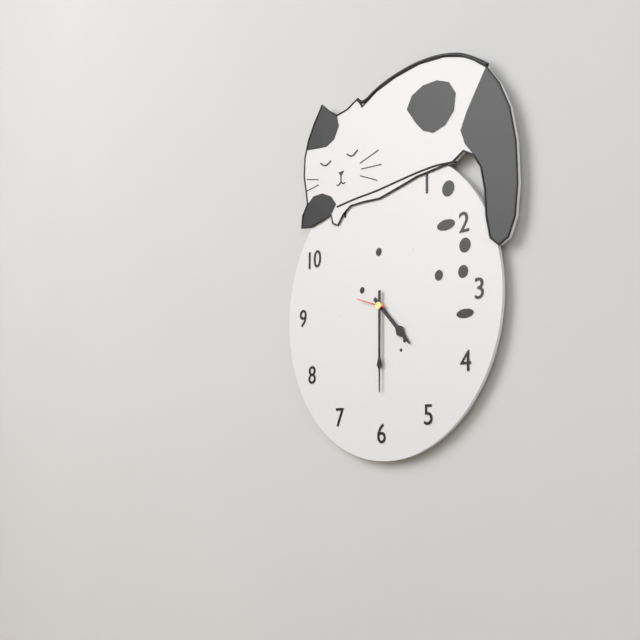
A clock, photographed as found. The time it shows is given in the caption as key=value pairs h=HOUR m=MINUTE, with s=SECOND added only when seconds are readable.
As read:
h=4 m=30
